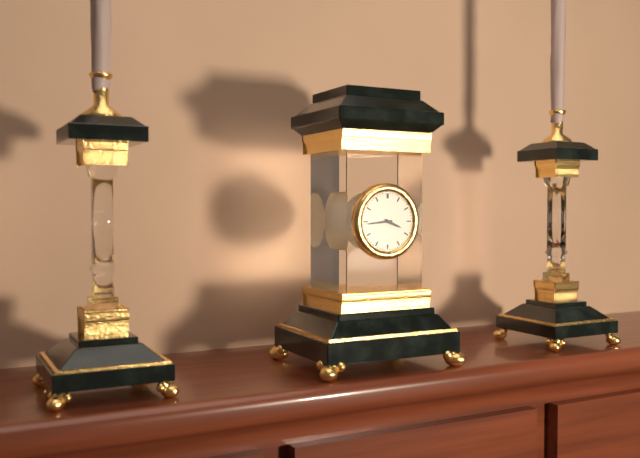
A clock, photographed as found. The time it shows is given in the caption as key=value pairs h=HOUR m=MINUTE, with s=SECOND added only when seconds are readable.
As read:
h=3 m=44
